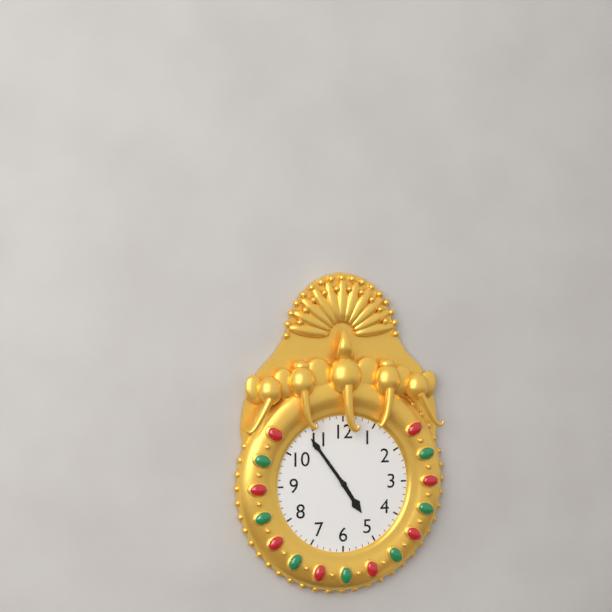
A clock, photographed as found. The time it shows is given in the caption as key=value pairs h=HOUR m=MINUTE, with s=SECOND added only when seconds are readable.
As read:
h=4 m=54
